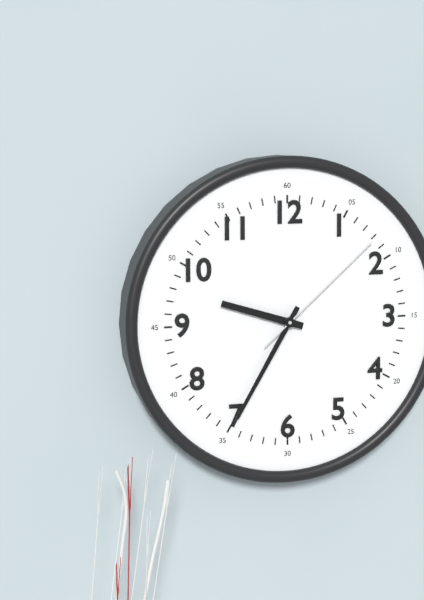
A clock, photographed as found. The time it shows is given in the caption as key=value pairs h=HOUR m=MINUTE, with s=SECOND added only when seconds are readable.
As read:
h=9 m=35 s=8
